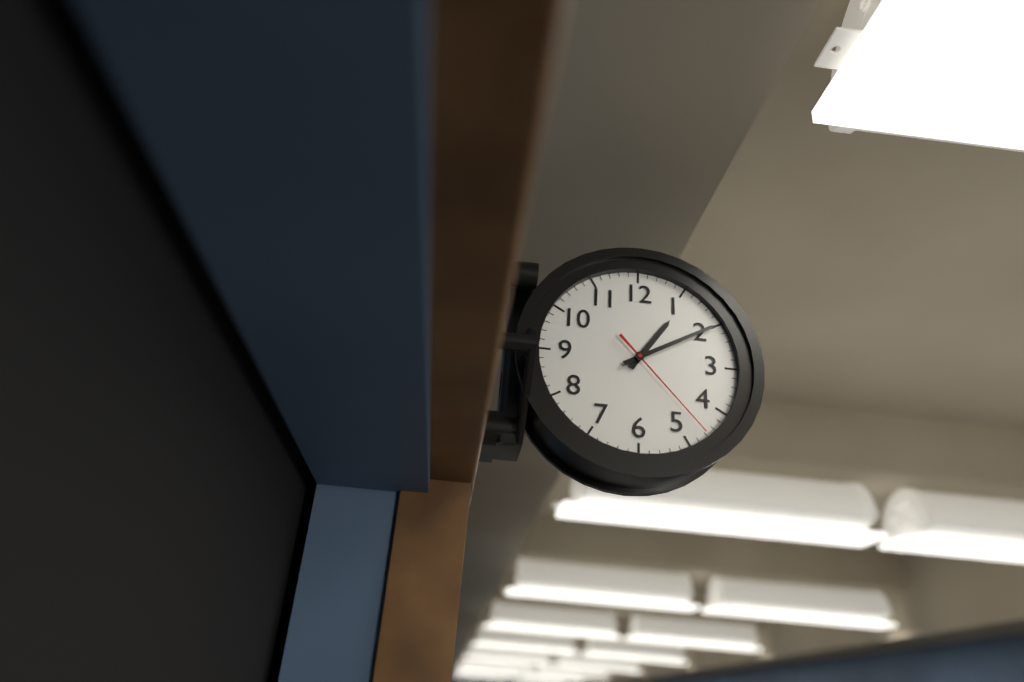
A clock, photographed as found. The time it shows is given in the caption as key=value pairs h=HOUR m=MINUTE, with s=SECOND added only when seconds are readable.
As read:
h=1 m=10 s=23
